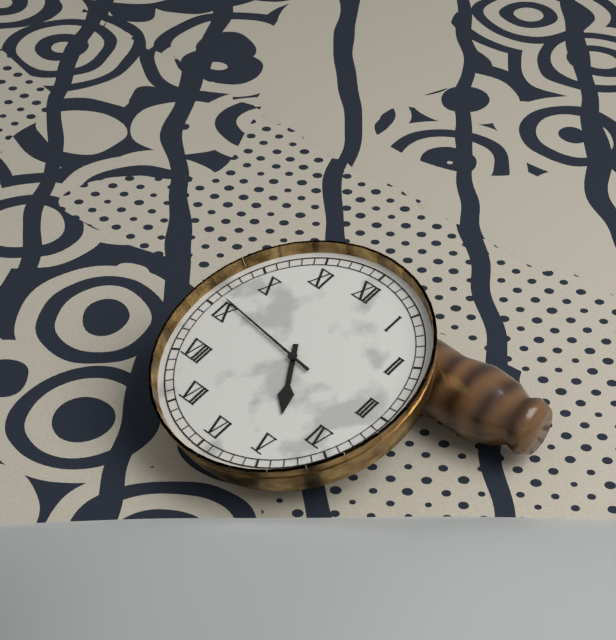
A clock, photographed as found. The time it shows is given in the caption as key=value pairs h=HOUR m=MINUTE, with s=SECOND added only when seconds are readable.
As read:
h=4 m=46
